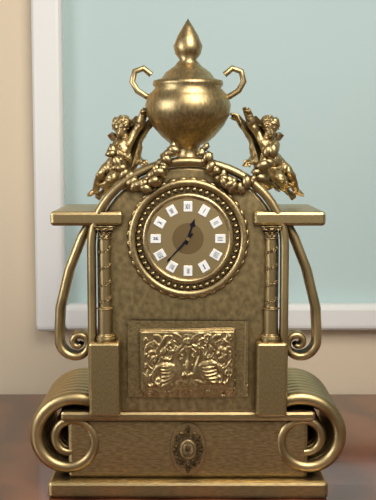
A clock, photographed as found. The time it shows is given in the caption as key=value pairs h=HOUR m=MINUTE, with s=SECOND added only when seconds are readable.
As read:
h=12 m=37
